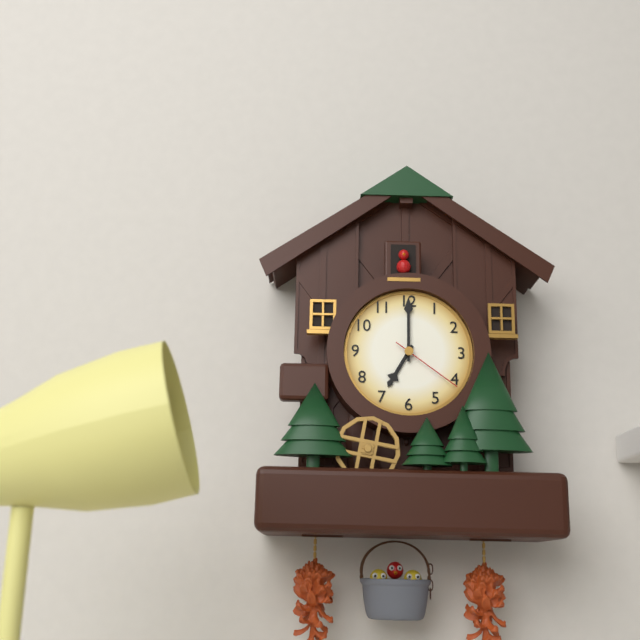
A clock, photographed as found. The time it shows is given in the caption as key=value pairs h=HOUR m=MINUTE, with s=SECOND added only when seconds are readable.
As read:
h=7 m=0 s=21
